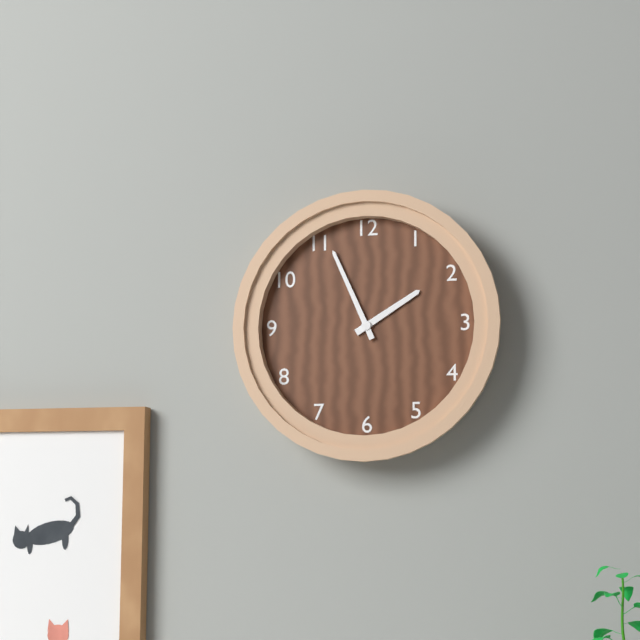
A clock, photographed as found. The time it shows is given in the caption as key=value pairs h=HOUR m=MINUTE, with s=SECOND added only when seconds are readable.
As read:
h=1 m=56
